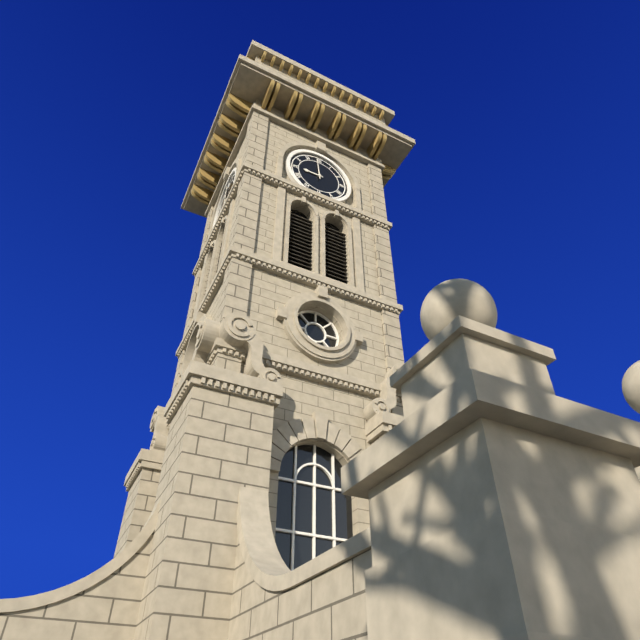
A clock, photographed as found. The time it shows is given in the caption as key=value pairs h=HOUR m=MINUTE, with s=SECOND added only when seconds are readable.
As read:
h=8 m=59
